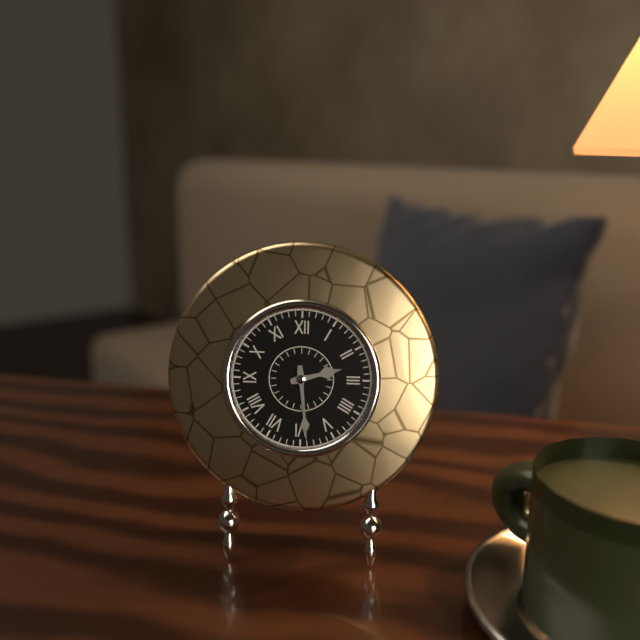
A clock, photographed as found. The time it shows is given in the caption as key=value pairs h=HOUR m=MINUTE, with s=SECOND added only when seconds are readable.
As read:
h=2 m=29
